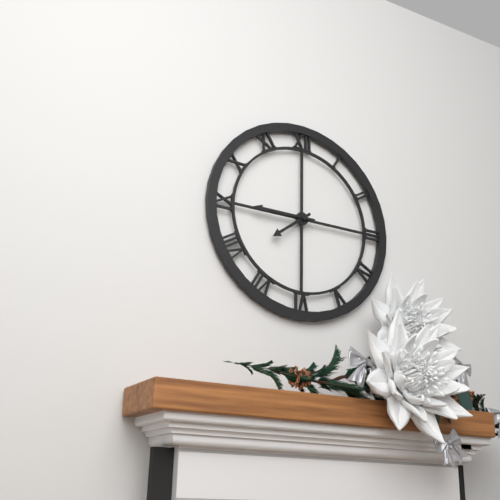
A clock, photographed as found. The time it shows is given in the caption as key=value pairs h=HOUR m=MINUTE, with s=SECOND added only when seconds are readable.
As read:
h=7 m=45
